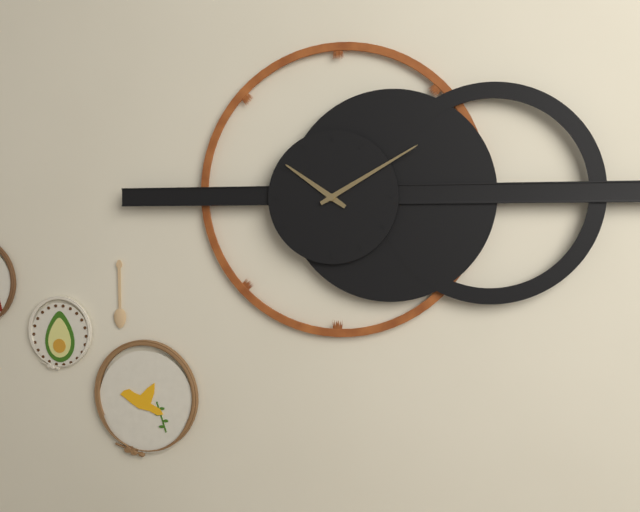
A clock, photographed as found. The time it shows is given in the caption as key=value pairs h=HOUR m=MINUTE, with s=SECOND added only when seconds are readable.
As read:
h=10 m=10
